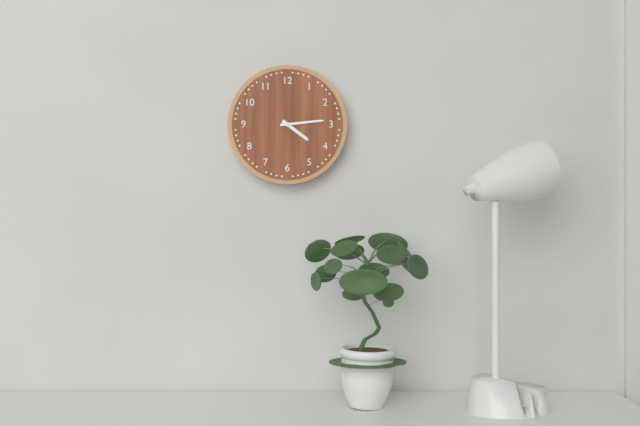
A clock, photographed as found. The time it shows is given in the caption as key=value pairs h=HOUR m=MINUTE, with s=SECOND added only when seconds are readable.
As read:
h=4 m=14
